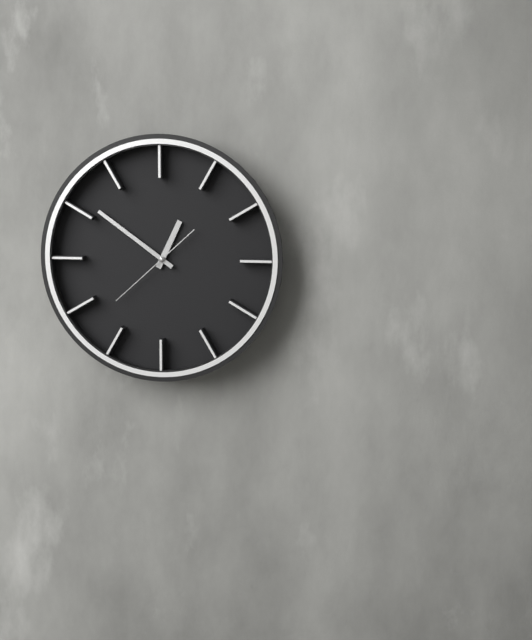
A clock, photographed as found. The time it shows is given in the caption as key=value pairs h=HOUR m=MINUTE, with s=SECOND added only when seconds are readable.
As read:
h=12 m=51 s=38
